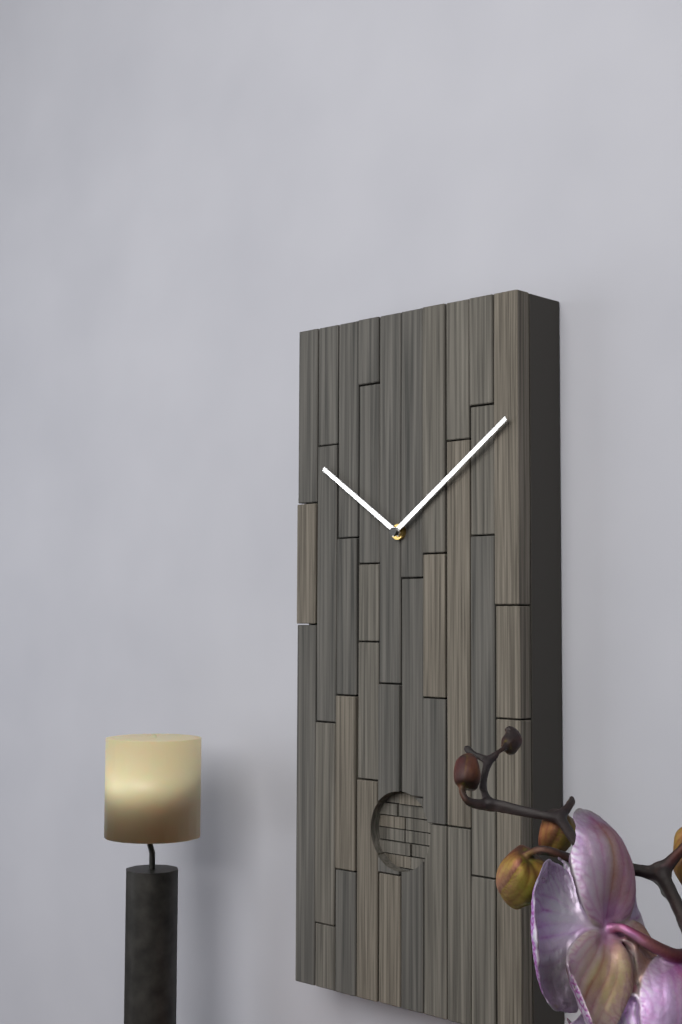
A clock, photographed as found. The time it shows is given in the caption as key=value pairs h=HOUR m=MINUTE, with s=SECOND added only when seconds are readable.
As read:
h=10 m=9
